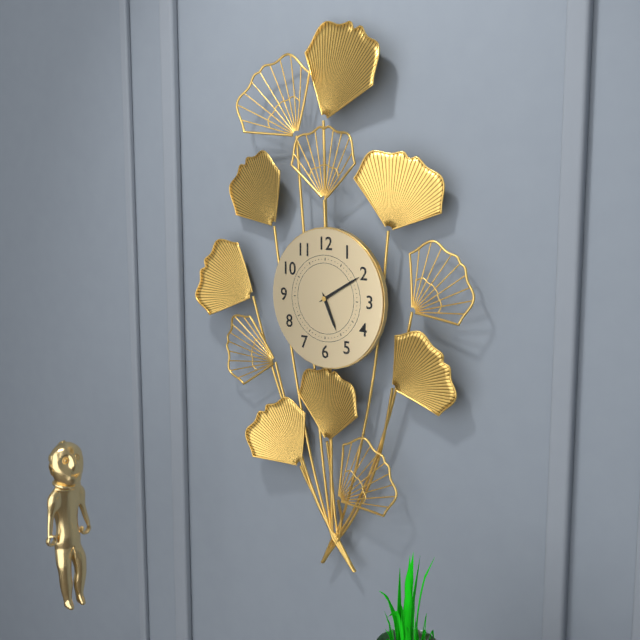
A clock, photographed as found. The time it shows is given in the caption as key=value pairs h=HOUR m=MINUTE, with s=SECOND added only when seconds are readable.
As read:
h=5 m=10
